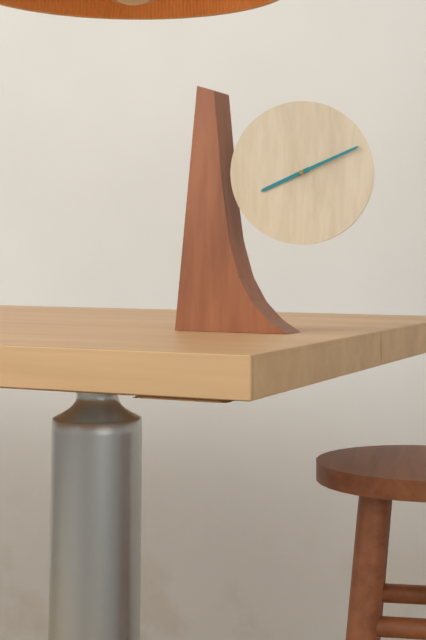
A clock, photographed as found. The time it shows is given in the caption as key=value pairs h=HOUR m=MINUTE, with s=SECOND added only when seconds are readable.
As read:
h=8 m=11
